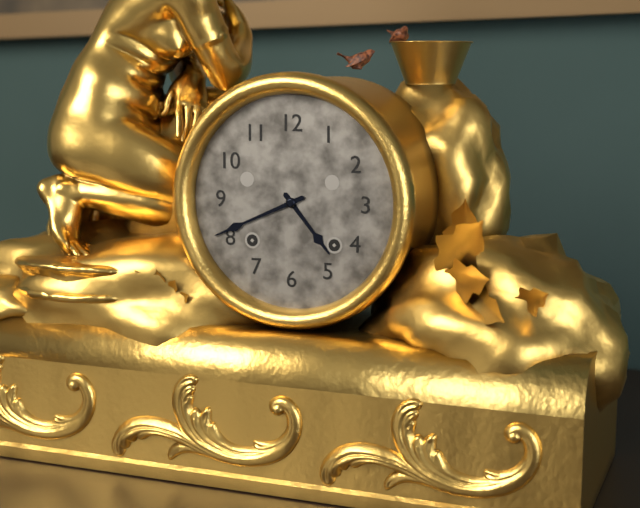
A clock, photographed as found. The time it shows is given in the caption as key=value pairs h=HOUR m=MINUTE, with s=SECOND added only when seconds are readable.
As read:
h=4 m=41
